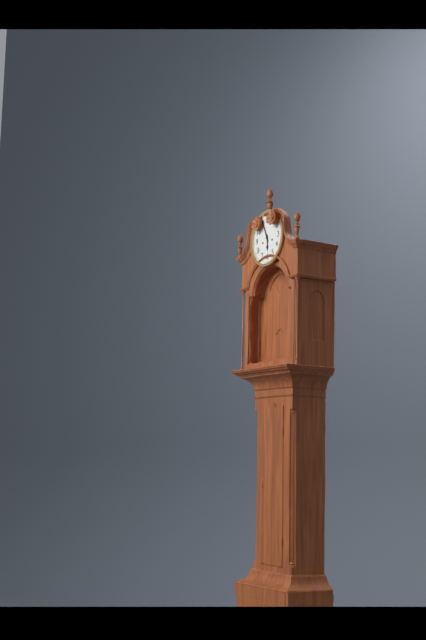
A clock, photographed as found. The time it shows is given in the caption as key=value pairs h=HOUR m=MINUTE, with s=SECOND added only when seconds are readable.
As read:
h=5 m=56
